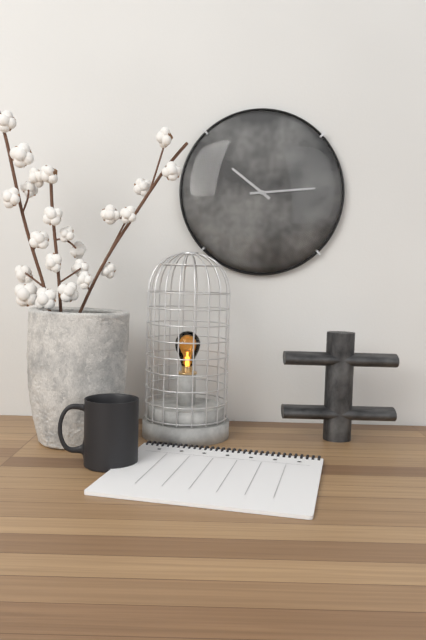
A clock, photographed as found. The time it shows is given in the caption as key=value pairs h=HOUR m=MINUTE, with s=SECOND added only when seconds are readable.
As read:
h=10 m=14
